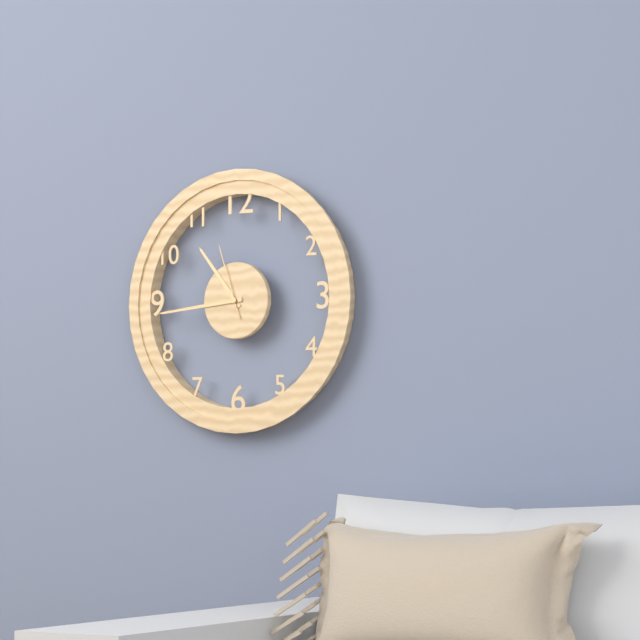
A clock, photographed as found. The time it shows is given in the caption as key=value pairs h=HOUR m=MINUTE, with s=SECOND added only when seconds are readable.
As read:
h=10 m=44 s=57
